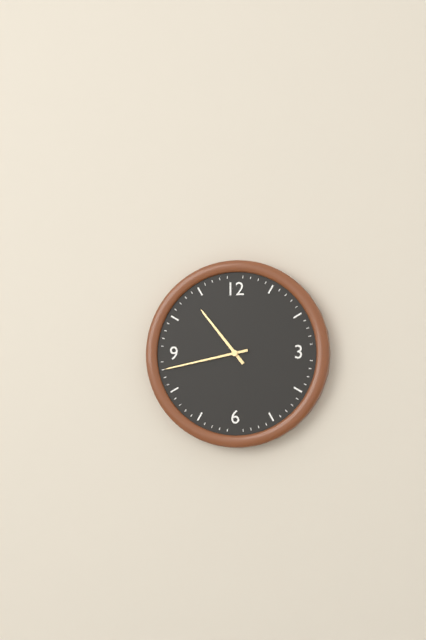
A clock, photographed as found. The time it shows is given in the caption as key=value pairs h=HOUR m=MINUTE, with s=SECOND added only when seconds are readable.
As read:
h=10 m=43
